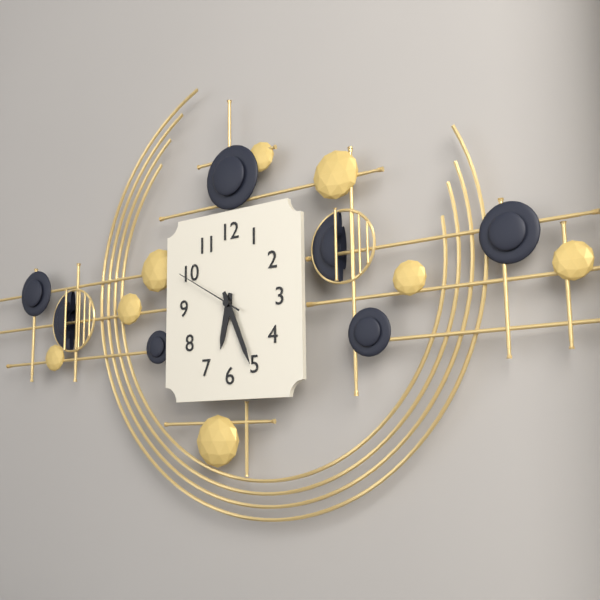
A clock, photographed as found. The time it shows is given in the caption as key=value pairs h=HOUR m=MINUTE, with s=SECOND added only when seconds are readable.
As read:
h=6 m=26 s=50
